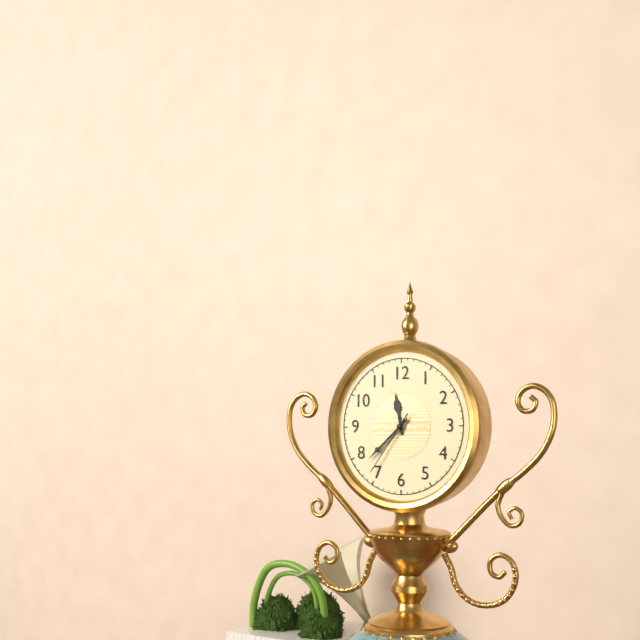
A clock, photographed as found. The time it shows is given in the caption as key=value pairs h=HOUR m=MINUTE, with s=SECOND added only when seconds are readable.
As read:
h=11 m=38 s=36
